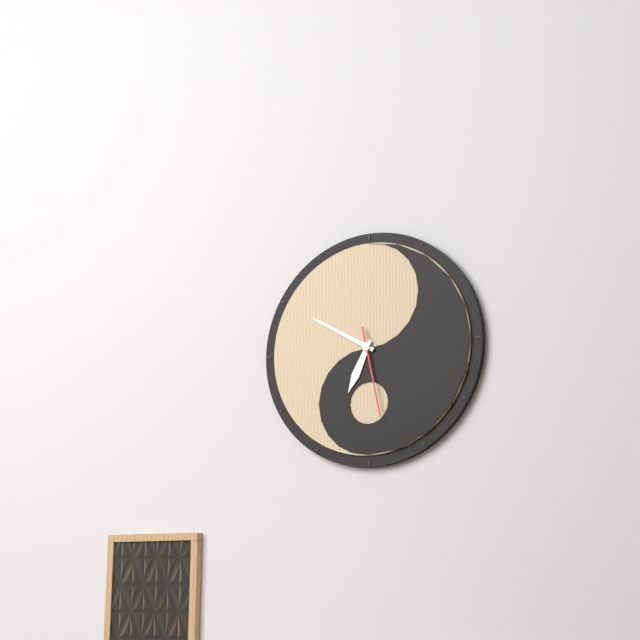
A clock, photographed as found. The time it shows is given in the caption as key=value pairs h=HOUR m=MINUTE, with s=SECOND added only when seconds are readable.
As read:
h=6 m=50 s=28
